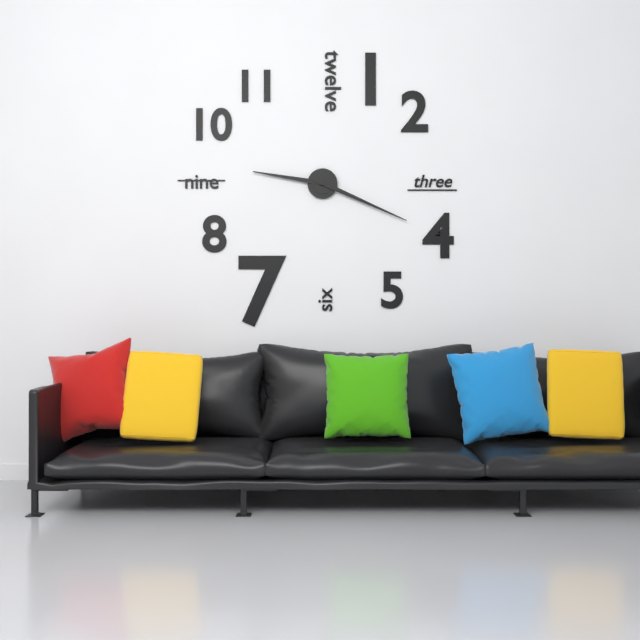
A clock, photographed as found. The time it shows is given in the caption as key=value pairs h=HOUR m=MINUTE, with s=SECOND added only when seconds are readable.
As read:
h=9 m=19
